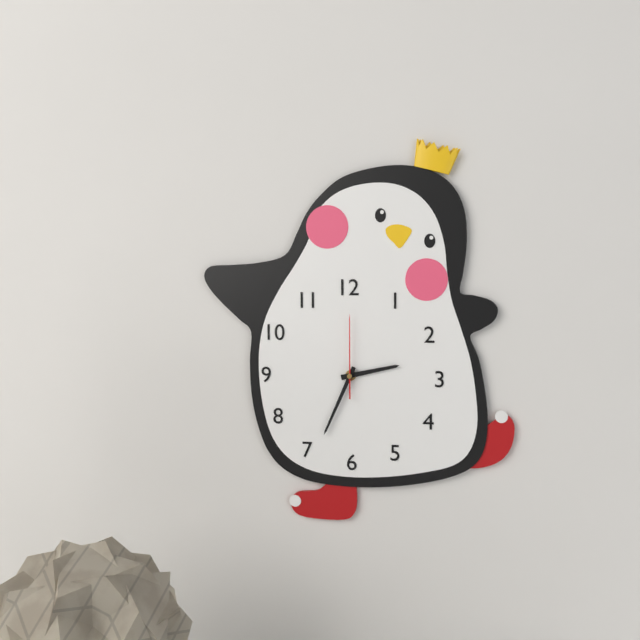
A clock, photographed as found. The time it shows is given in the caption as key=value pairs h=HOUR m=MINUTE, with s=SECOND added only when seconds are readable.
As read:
h=2 m=34 s=0
